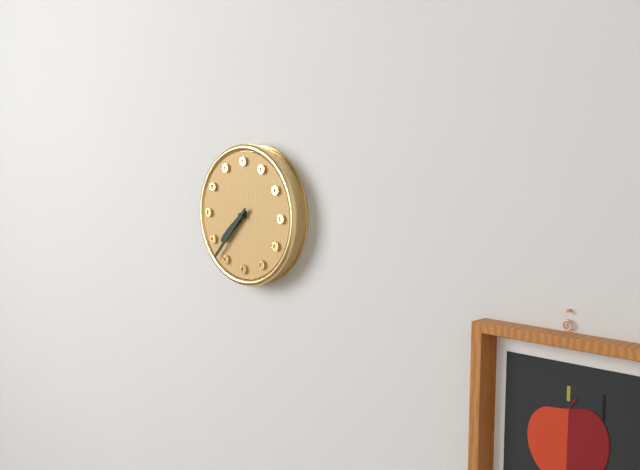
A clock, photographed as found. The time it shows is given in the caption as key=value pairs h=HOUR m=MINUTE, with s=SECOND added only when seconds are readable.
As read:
h=7 m=37
